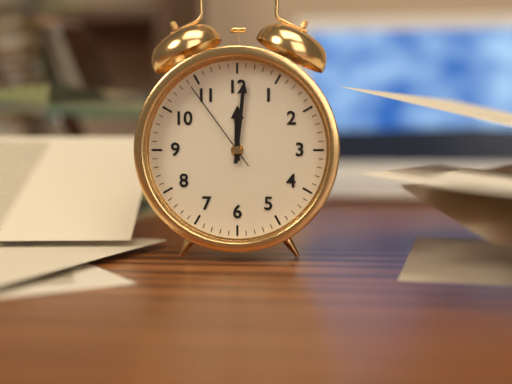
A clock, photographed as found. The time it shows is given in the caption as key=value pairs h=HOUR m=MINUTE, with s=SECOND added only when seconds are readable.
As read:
h=12 m=1 s=54
